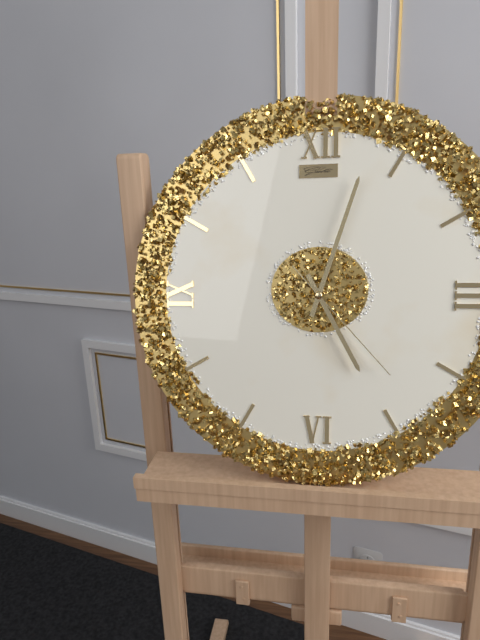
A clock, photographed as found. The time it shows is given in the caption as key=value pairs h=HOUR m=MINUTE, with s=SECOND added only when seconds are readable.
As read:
h=5 m=3 s=23
